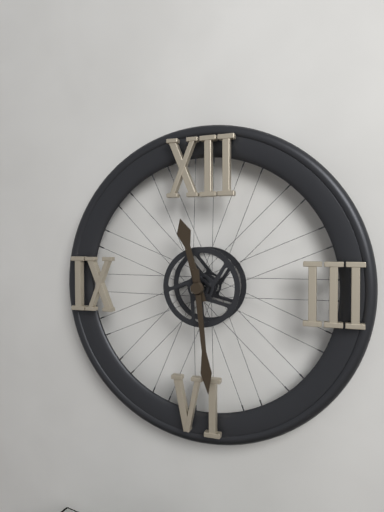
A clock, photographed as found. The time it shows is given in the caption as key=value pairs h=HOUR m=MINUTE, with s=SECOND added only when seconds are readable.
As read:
h=11 m=29
